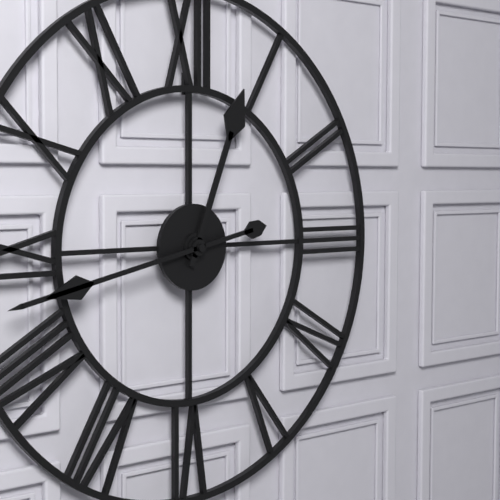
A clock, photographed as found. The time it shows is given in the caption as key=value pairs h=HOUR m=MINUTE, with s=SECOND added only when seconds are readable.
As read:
h=12 m=43
